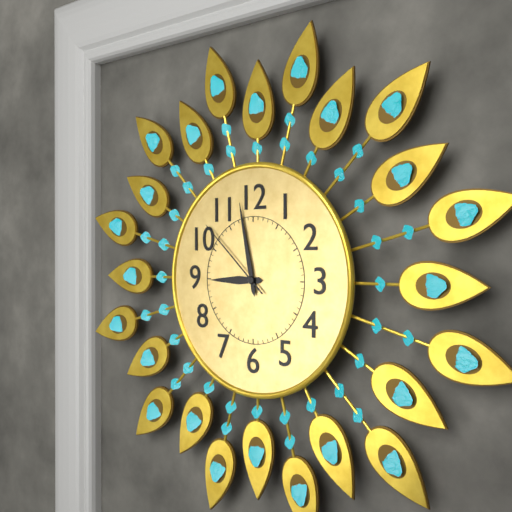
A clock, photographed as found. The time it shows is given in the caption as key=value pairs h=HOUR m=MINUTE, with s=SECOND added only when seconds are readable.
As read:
h=8 m=58 s=52
